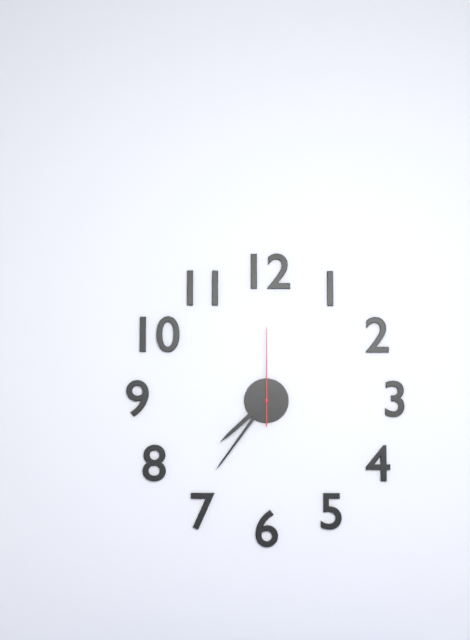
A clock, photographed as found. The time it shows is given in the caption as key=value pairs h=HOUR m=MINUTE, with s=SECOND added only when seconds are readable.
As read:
h=7 m=36 s=0
